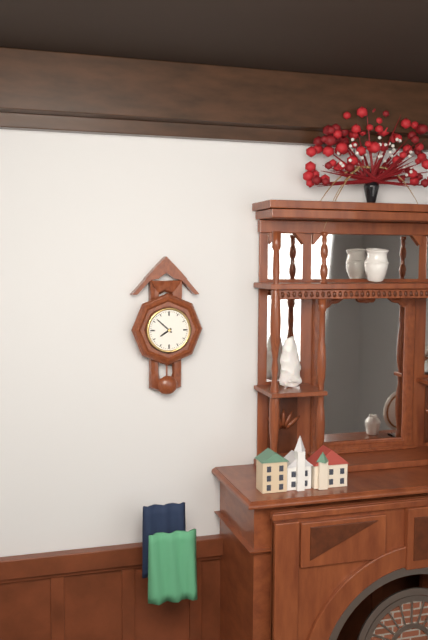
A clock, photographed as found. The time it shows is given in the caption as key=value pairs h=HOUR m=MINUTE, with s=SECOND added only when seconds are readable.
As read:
h=7 m=52
